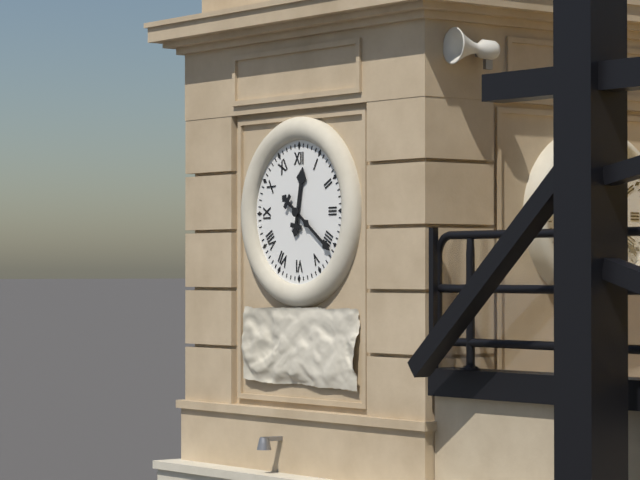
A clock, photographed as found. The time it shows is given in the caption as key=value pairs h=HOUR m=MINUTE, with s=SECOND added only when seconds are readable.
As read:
h=12 m=21
